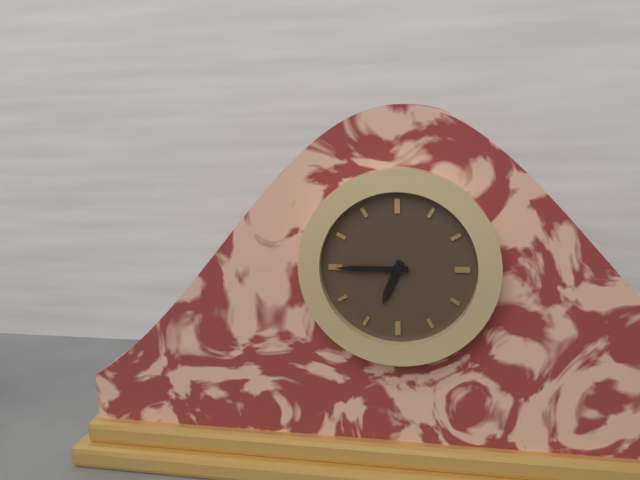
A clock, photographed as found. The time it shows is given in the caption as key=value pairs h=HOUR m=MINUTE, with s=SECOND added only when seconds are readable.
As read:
h=6 m=45
